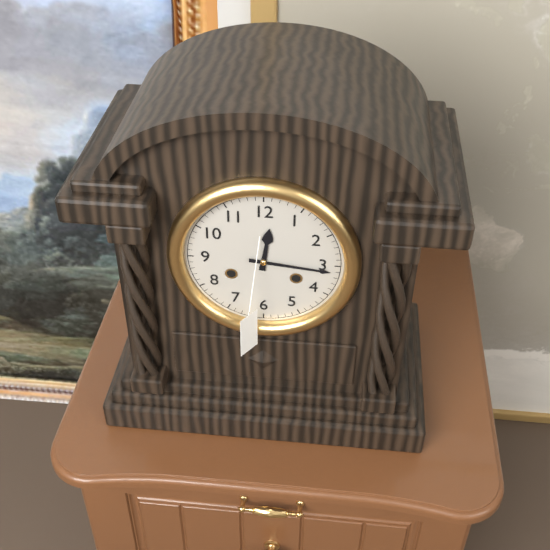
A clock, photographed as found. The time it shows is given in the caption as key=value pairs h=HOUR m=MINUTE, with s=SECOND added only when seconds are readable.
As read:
h=12 m=16
